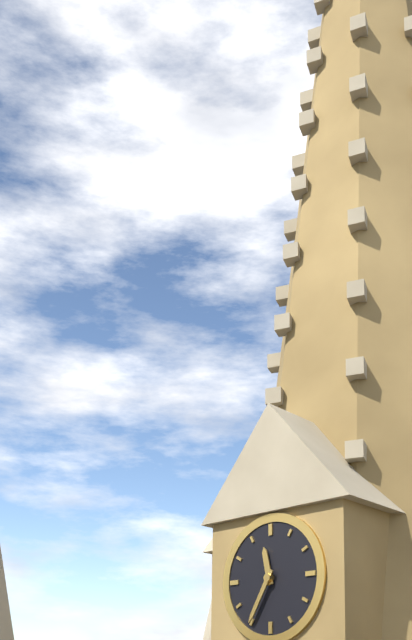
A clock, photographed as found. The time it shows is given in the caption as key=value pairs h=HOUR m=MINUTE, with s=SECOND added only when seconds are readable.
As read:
h=11 m=35
